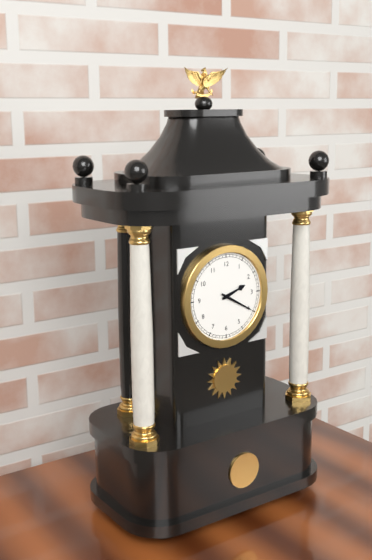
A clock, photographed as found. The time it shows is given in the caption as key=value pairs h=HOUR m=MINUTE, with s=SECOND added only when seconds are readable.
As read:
h=2 m=20
